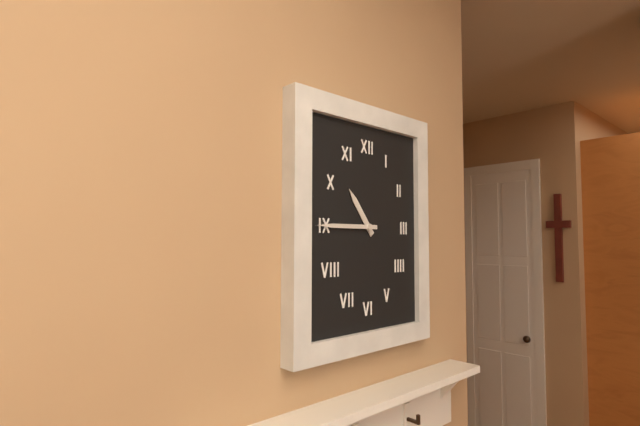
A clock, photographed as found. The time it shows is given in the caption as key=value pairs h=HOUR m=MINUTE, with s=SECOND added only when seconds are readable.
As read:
h=10 m=45
